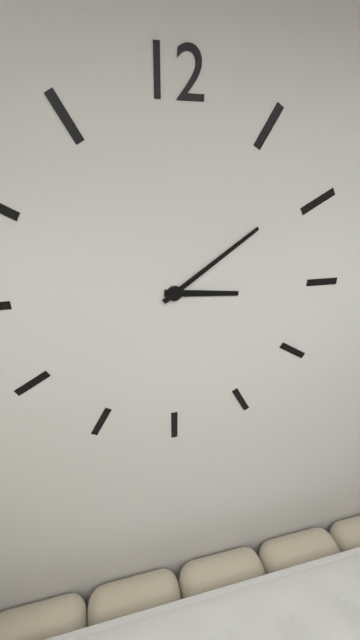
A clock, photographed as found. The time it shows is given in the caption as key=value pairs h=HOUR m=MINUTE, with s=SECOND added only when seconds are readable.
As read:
h=3 m=9
